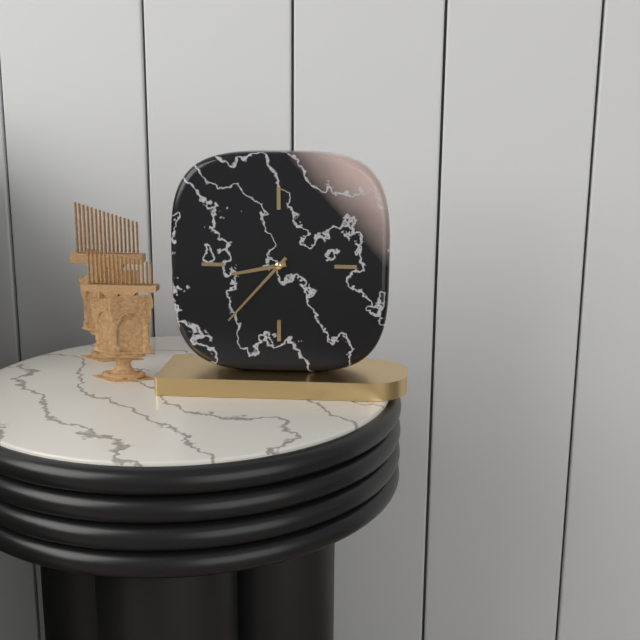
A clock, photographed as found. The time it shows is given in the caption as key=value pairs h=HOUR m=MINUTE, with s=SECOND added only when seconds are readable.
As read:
h=8 m=37
